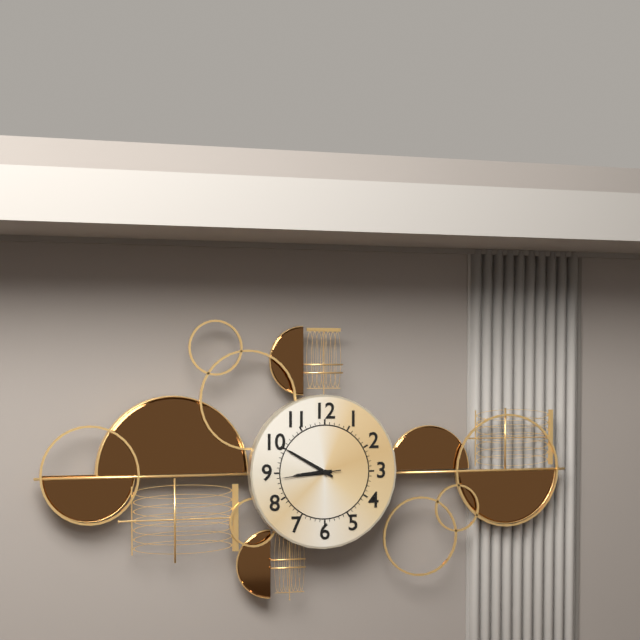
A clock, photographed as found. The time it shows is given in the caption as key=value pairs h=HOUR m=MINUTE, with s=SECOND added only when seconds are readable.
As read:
h=8 m=50 s=44
